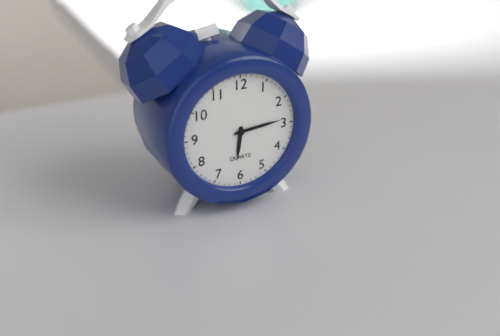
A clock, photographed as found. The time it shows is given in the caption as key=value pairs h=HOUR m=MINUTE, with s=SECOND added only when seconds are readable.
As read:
h=6 m=14
